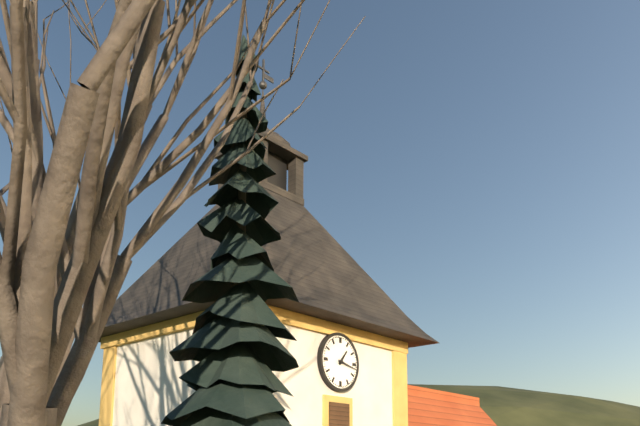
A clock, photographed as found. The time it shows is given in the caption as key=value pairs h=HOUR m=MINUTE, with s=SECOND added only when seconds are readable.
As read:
h=1 m=17
